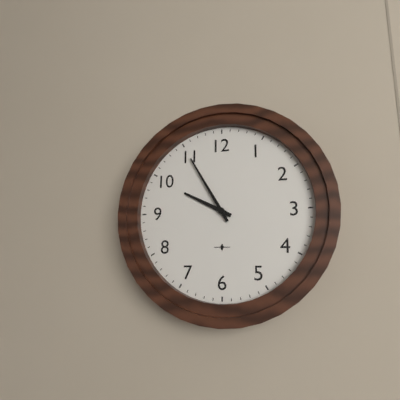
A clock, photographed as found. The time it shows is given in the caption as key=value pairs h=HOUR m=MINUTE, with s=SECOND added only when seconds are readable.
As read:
h=9 m=55
